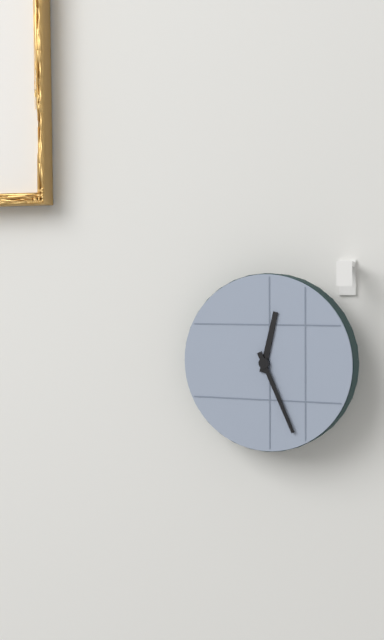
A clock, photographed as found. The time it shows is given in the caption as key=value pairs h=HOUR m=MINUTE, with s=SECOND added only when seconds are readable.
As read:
h=12 m=26
